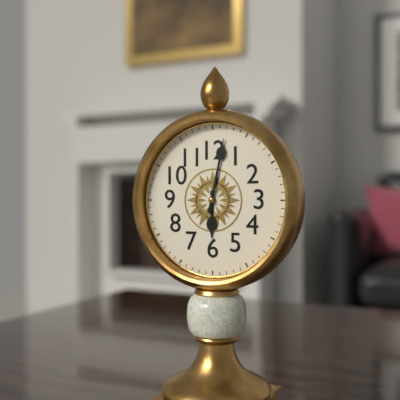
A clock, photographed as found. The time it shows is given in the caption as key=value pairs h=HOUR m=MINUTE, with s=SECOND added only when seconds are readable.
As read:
h=6 m=2
